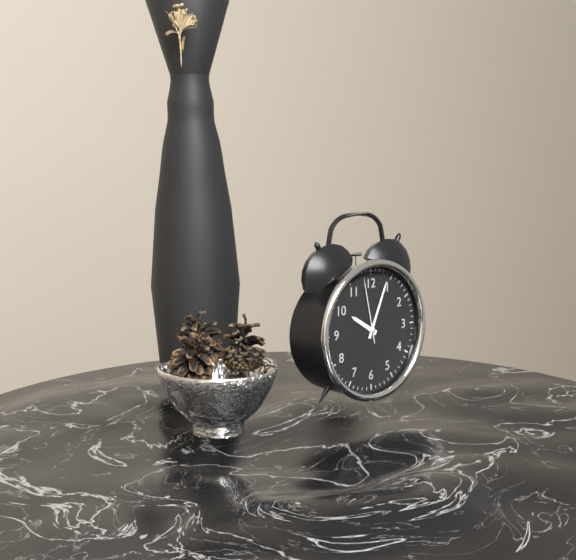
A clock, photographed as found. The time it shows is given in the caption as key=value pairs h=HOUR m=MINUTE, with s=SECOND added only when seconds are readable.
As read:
h=10 m=4 s=58
